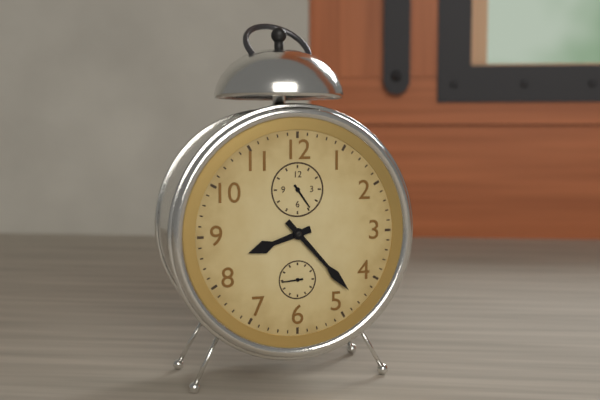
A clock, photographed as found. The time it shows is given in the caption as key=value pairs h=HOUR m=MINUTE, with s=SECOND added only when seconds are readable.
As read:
h=8 m=23
